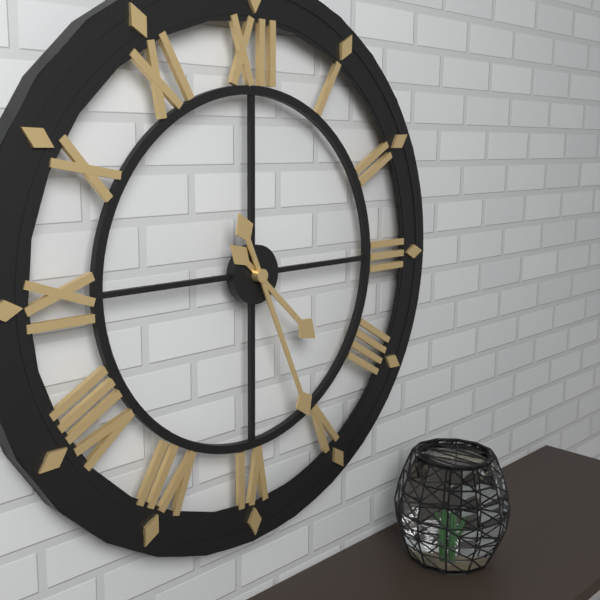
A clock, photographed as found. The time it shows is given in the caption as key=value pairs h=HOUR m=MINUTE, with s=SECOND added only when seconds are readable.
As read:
h=4 m=26
